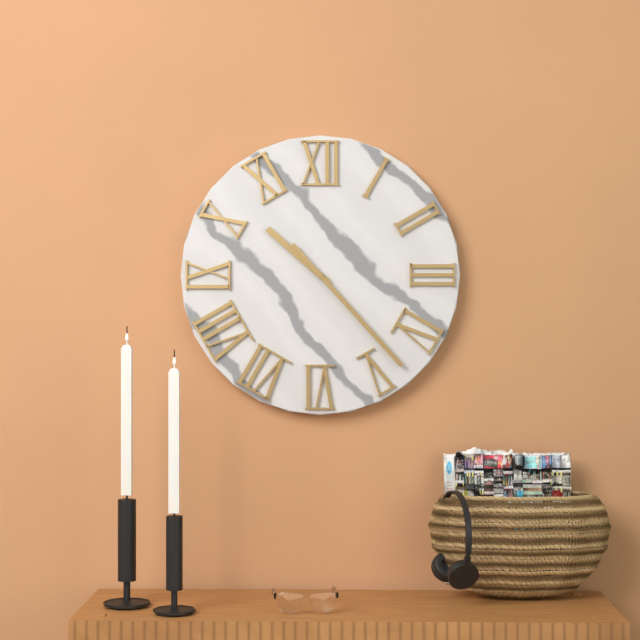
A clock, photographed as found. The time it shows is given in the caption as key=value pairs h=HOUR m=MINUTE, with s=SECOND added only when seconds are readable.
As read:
h=10 m=23
